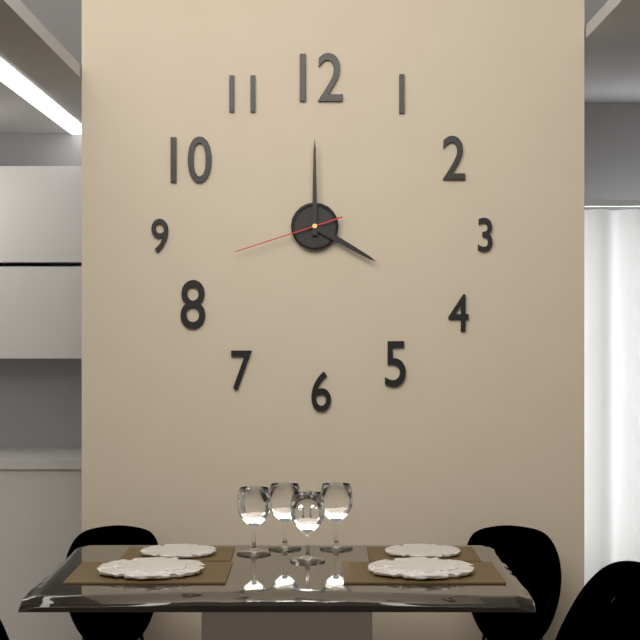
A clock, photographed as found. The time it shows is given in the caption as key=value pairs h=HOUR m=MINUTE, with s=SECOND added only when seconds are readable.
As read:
h=4 m=0 s=42
